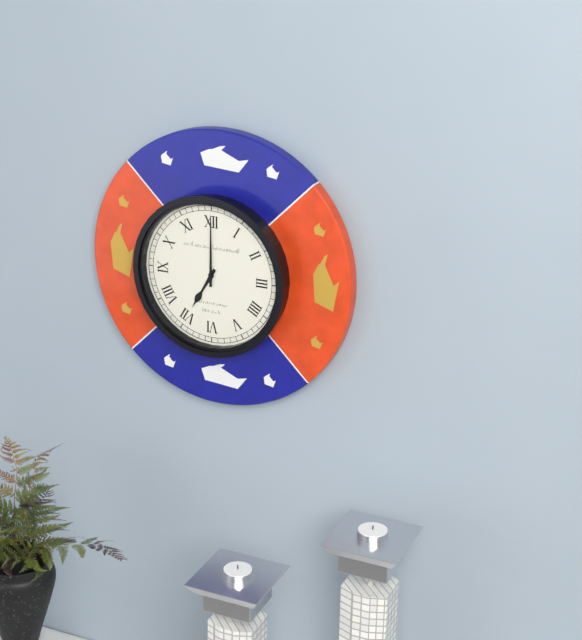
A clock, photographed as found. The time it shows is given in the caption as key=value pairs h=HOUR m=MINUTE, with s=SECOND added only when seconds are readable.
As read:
h=7 m=0
